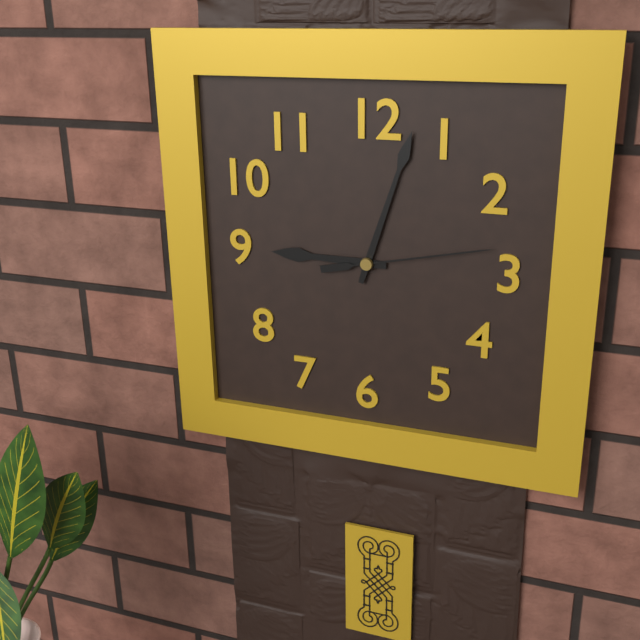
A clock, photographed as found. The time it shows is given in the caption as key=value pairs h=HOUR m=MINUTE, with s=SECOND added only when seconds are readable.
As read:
h=9 m=3 s=13
